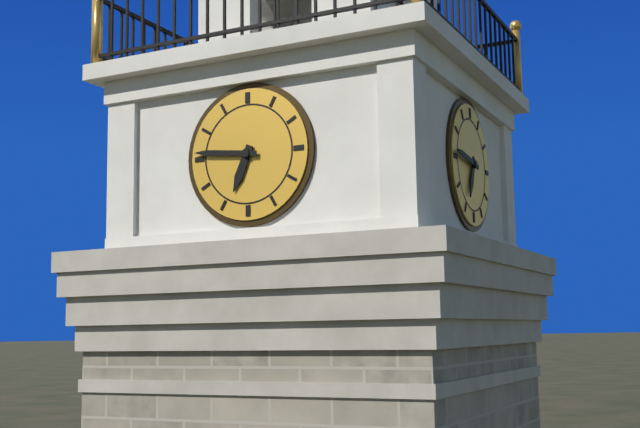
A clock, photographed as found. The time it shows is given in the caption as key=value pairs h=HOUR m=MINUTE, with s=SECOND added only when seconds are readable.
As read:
h=6 m=46
